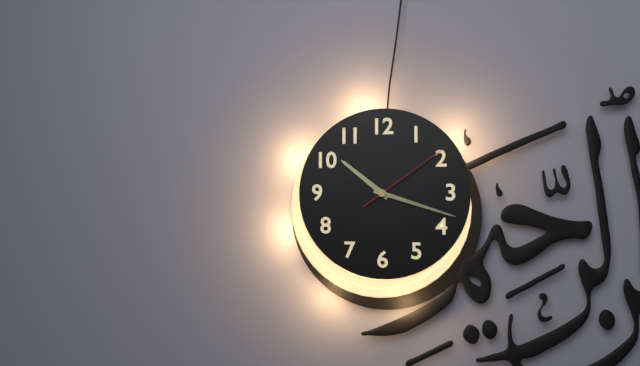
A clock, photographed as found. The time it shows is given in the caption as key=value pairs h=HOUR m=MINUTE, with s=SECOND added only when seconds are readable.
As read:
h=10 m=18 s=9
